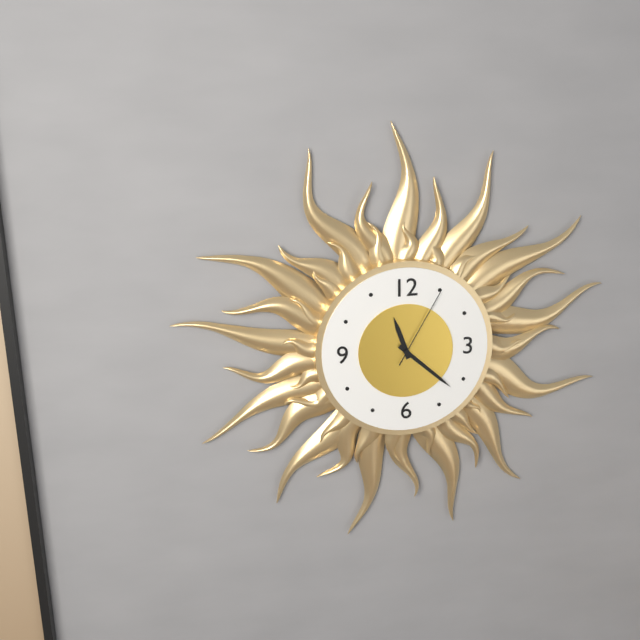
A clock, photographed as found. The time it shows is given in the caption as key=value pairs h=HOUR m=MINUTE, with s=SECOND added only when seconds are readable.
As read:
h=11 m=22 s=5
